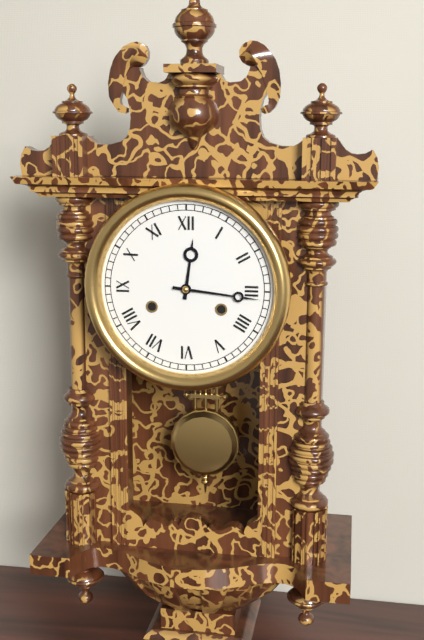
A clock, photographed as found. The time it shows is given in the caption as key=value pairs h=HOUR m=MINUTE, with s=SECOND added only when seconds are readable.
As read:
h=12 m=16
